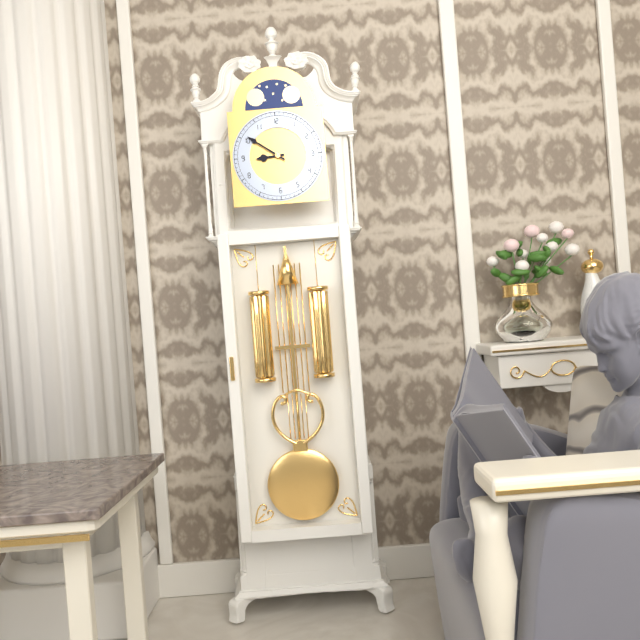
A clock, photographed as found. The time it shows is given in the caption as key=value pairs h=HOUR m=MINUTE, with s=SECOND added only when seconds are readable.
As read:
h=8 m=51
